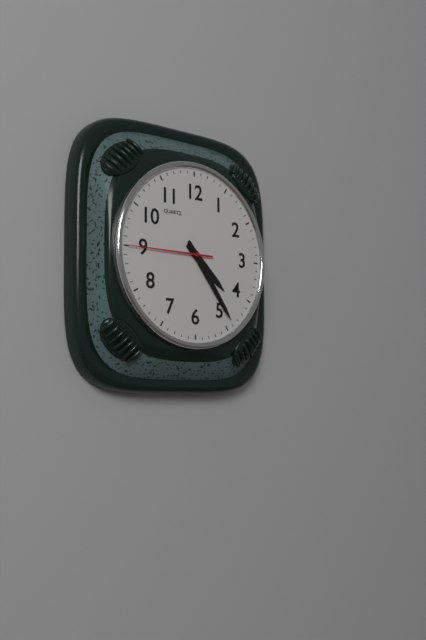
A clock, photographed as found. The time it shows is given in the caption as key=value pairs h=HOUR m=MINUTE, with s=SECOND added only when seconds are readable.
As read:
h=4 m=24 s=45
